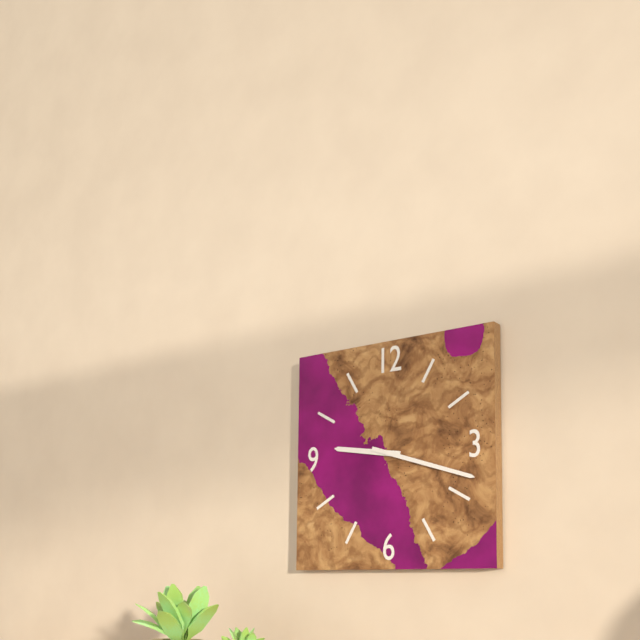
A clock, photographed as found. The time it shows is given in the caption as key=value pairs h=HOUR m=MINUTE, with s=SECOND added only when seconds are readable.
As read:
h=9 m=18
